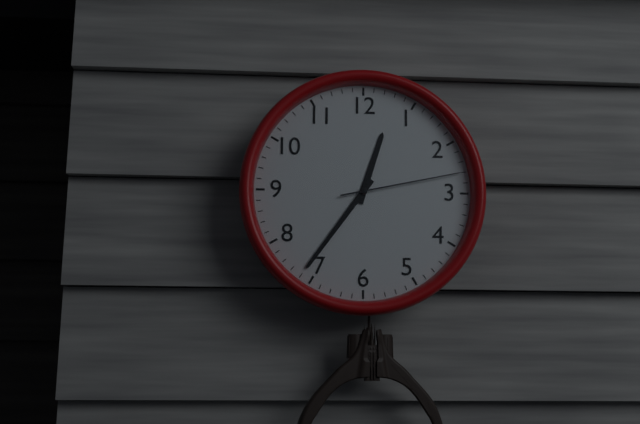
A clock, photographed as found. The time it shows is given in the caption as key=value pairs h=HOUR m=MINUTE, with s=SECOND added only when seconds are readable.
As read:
h=12 m=36 s=13
